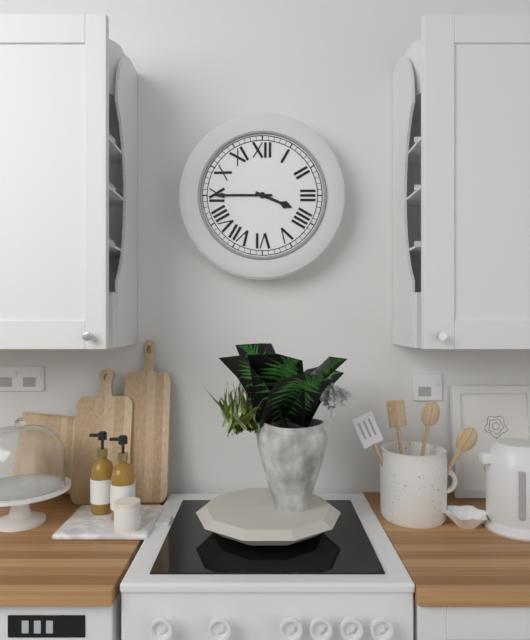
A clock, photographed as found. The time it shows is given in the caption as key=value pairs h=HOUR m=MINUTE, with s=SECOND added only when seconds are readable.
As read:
h=3 m=45
